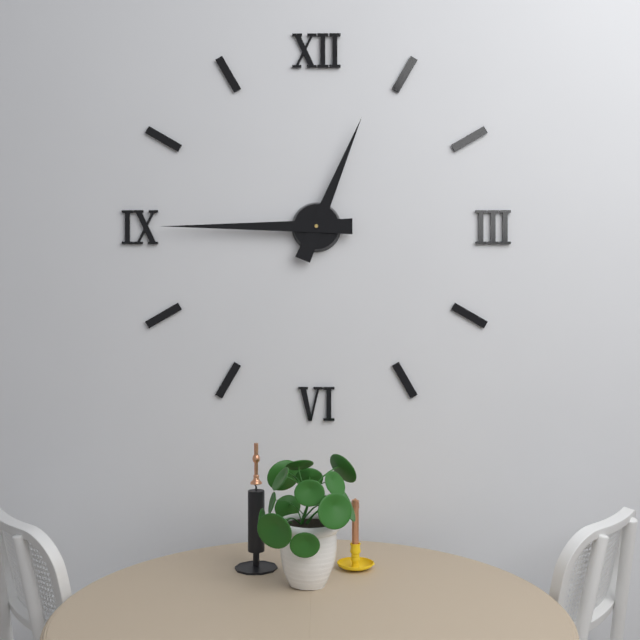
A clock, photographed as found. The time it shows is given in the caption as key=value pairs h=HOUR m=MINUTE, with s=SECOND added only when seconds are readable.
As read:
h=12 m=45
